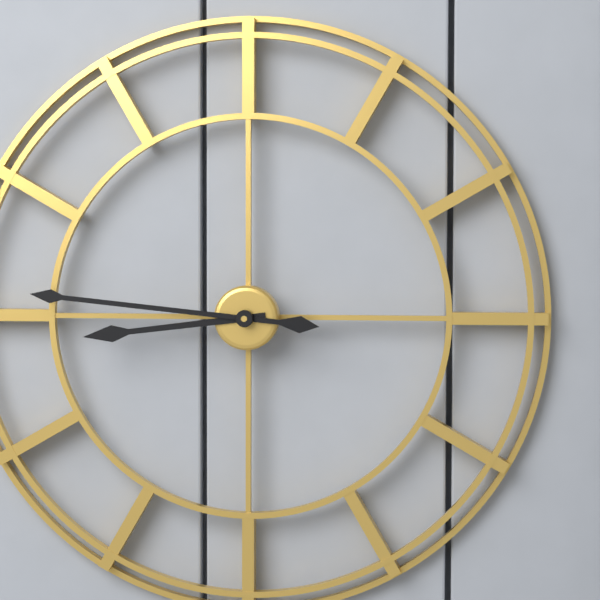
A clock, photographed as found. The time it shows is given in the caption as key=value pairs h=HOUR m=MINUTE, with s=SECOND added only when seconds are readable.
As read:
h=8 m=46
